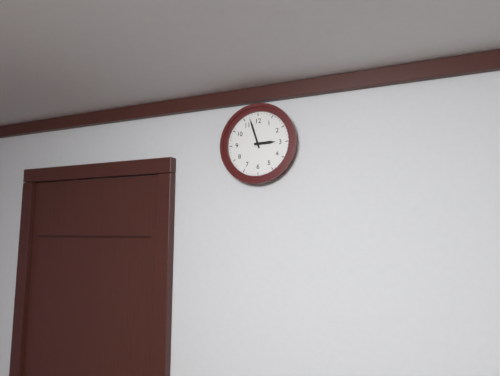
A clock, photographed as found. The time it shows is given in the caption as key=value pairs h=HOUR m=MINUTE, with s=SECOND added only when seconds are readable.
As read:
h=2 m=57
